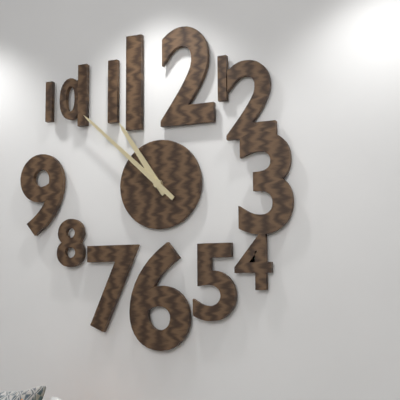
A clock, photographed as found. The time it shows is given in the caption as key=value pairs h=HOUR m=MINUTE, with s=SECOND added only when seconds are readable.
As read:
h=10 m=52
